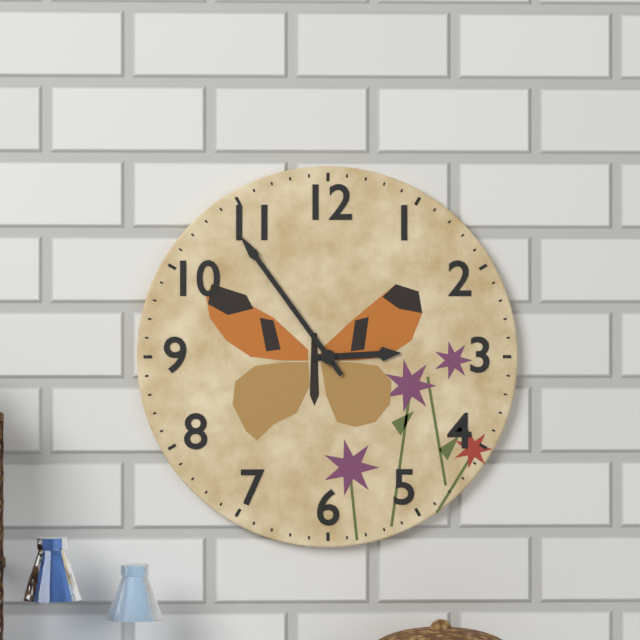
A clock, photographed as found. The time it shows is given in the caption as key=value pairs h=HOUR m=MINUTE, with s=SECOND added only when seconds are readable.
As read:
h=2 m=54
